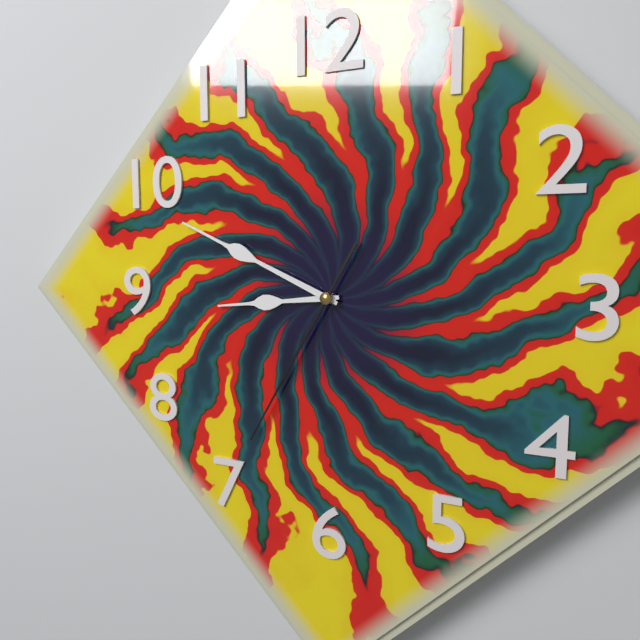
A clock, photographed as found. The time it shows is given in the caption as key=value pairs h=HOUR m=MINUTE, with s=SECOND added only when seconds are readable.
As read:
h=8 m=49 s=35
